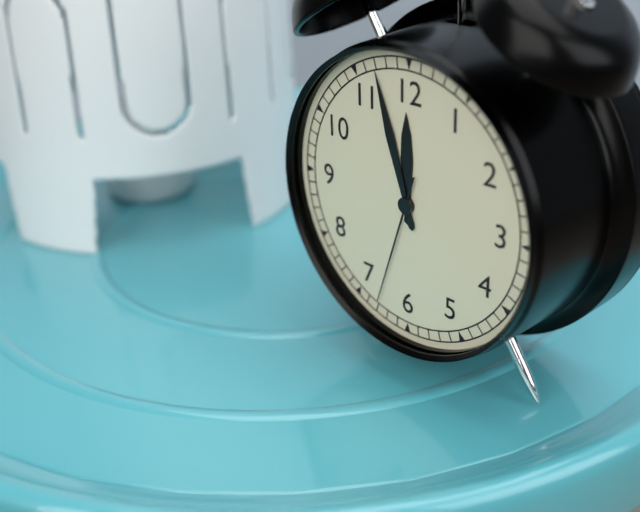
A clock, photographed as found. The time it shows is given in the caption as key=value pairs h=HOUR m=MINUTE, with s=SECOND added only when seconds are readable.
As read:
h=11 m=57 s=33
